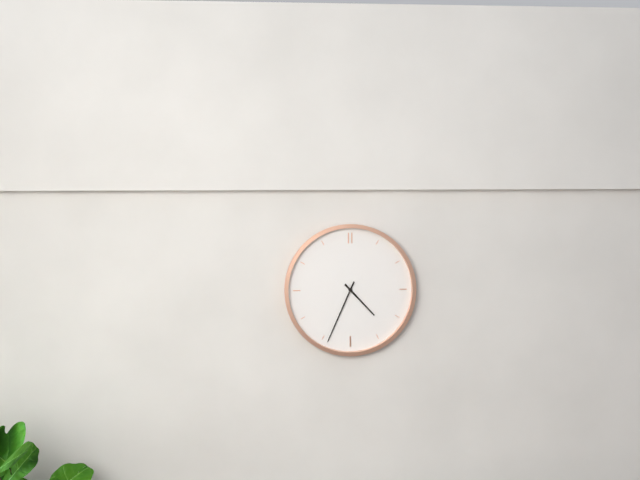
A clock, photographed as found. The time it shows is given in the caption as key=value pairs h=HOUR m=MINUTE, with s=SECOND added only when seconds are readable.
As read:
h=4 m=34
